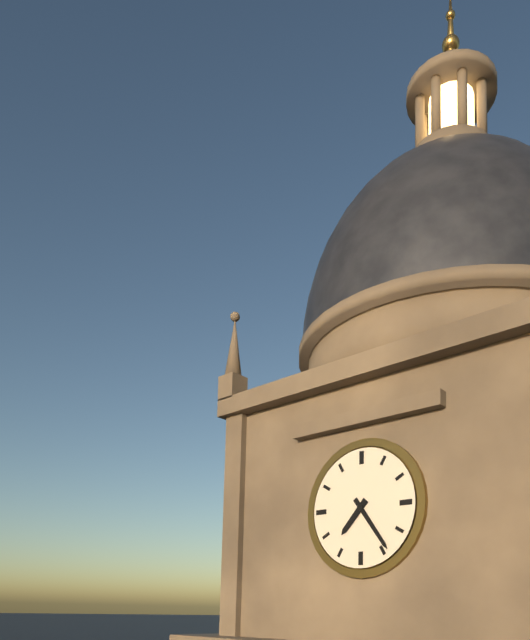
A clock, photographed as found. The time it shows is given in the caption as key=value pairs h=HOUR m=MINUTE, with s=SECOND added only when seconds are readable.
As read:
h=7 m=24
